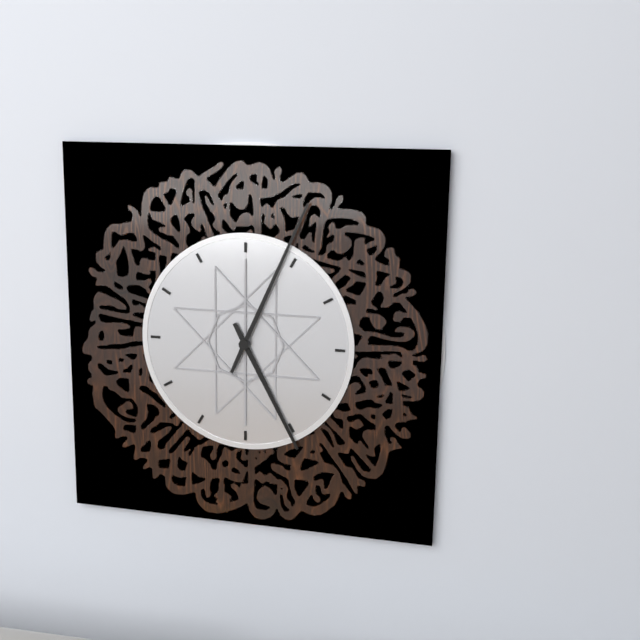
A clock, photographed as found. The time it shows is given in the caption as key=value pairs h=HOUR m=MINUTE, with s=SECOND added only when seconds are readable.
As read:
h=5 m=4
